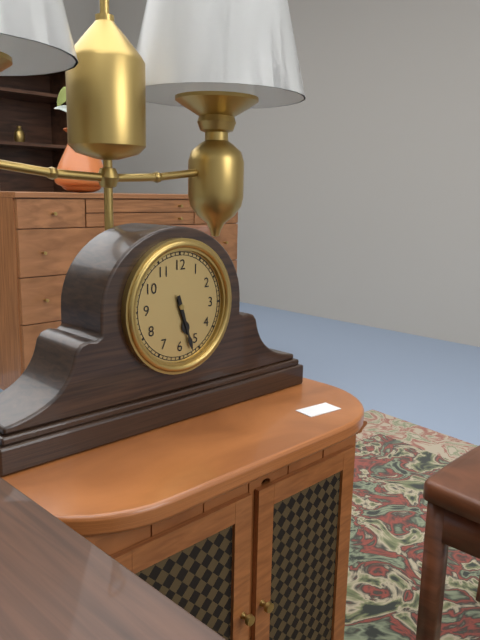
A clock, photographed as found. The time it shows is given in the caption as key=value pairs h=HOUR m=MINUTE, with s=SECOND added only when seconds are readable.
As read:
h=5 m=27
